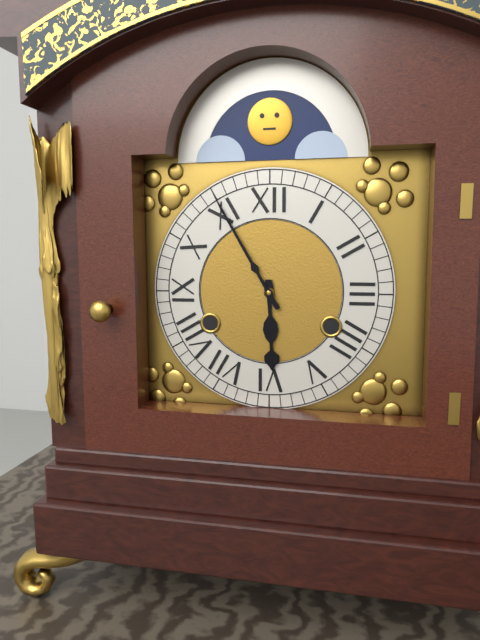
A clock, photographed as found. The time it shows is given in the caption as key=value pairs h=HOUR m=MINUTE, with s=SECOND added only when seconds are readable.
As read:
h=5 m=55
